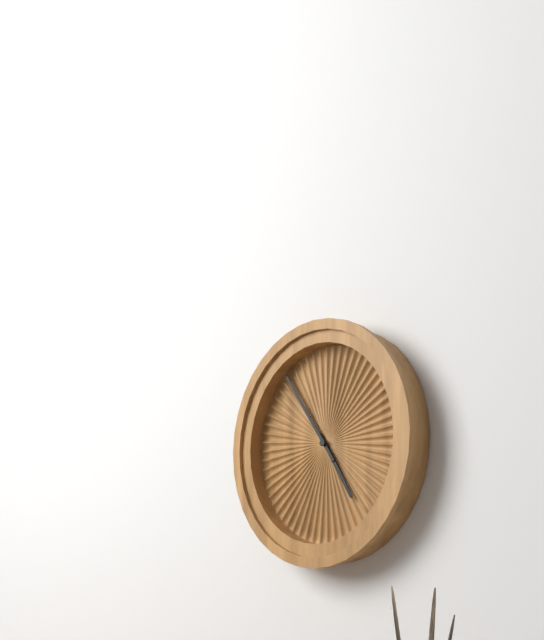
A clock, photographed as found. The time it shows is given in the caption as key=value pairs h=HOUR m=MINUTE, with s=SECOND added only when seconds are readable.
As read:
h=4 m=54
